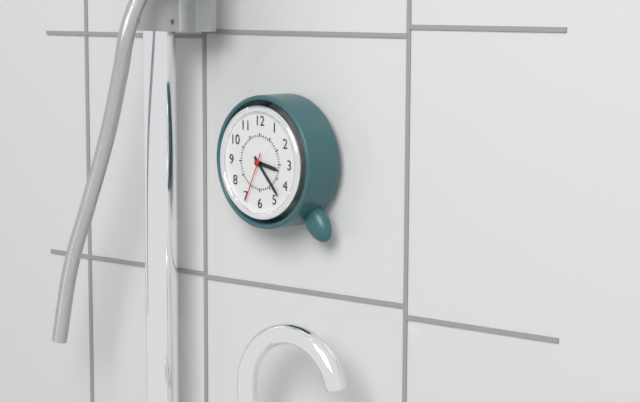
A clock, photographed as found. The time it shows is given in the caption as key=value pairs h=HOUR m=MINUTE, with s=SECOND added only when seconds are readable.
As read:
h=3 m=23 s=34
